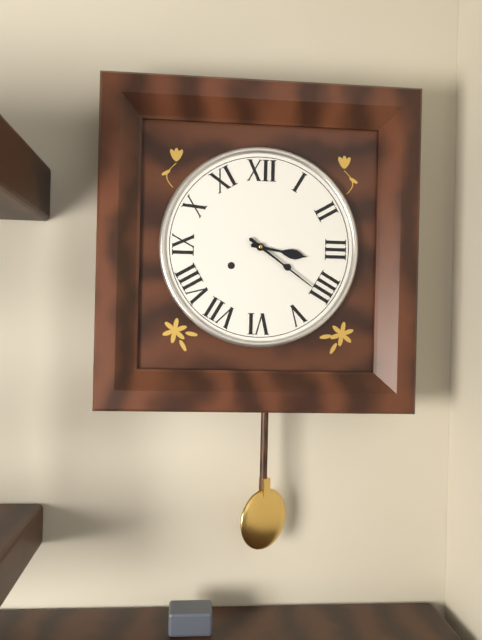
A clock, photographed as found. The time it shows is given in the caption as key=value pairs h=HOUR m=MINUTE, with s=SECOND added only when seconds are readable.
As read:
h=3 m=21
